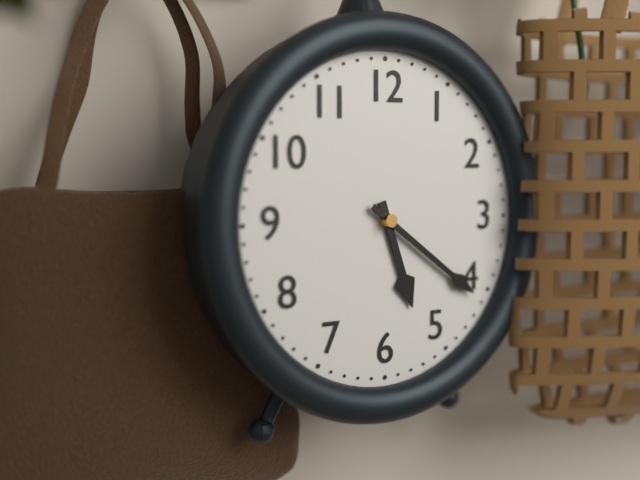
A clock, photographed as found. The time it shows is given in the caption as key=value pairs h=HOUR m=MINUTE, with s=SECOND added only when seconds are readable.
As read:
h=5 m=21
